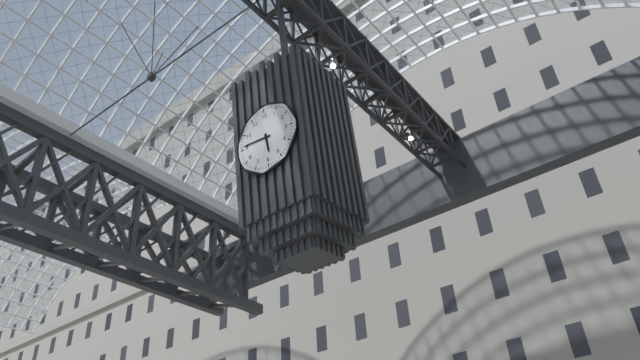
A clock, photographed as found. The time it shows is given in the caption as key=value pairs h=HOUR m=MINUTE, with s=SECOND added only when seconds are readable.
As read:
h=5 m=46
